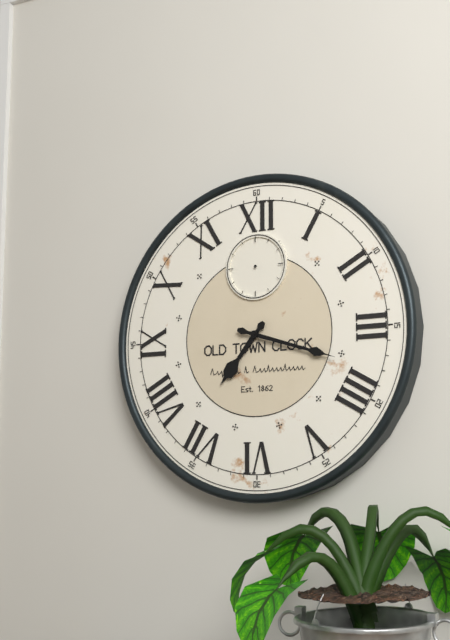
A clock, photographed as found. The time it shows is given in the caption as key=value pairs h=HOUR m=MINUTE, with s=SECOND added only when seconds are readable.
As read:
h=7 m=18
